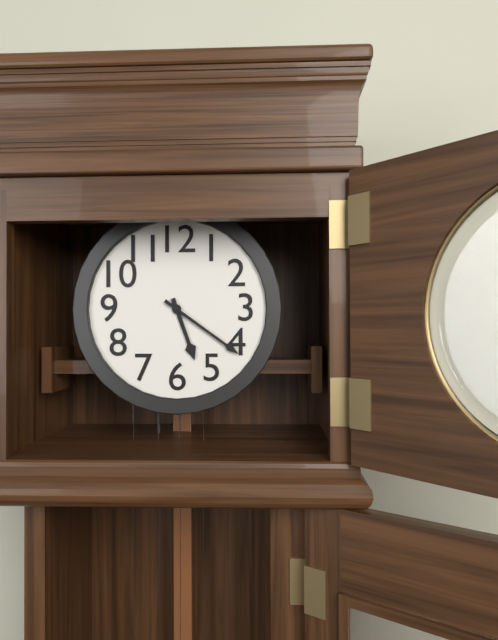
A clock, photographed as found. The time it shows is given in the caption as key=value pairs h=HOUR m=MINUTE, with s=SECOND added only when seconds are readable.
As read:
h=5 m=21
